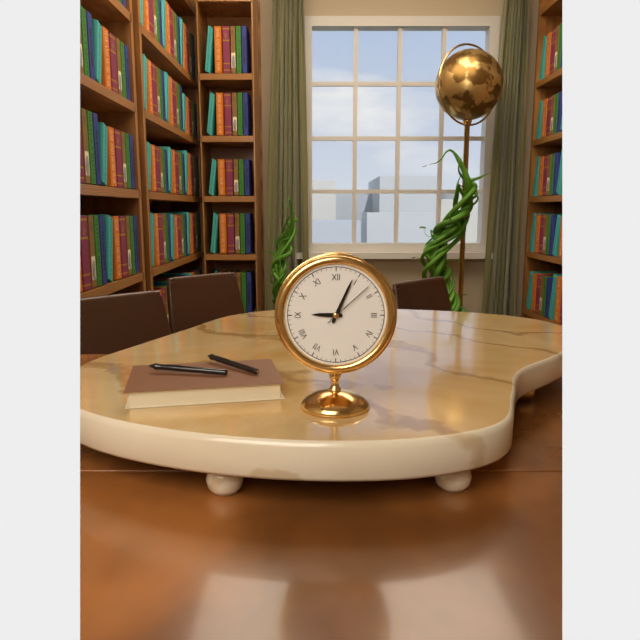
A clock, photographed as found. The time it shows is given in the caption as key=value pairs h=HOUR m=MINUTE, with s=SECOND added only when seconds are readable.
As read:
h=9 m=4 s=8
